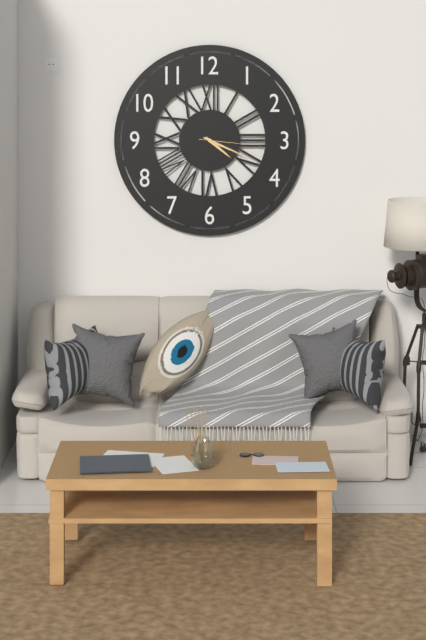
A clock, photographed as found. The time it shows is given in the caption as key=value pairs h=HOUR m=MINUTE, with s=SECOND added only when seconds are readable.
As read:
h=4 m=19 s=16
